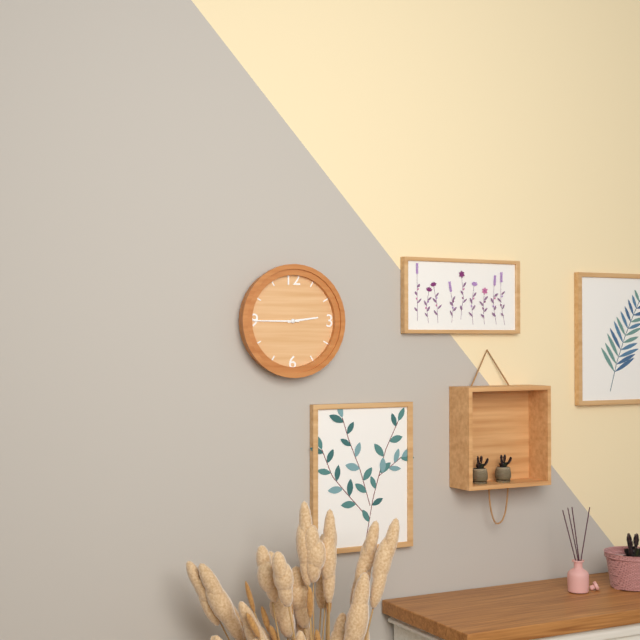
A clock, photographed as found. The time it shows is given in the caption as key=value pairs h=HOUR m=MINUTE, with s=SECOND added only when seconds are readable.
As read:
h=2 m=45
